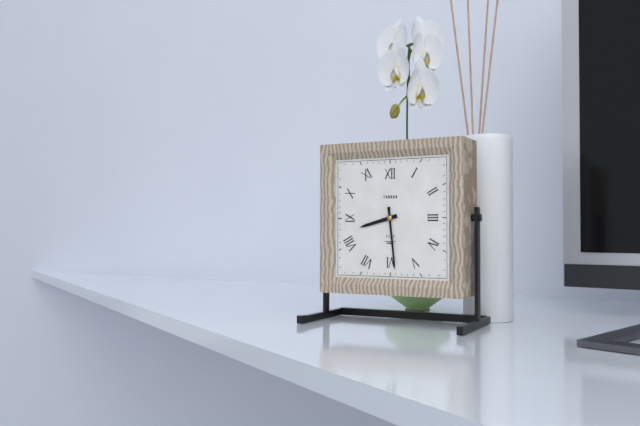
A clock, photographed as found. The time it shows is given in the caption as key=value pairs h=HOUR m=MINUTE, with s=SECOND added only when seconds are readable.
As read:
h=8 m=29
